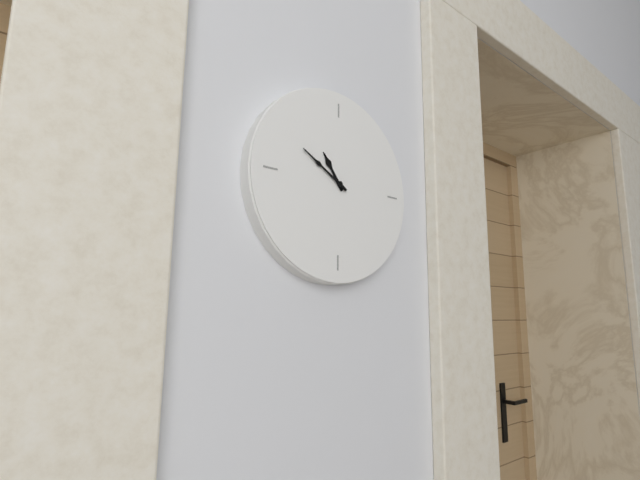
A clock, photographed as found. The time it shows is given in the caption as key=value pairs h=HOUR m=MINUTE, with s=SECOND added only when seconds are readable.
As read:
h=10 m=50
